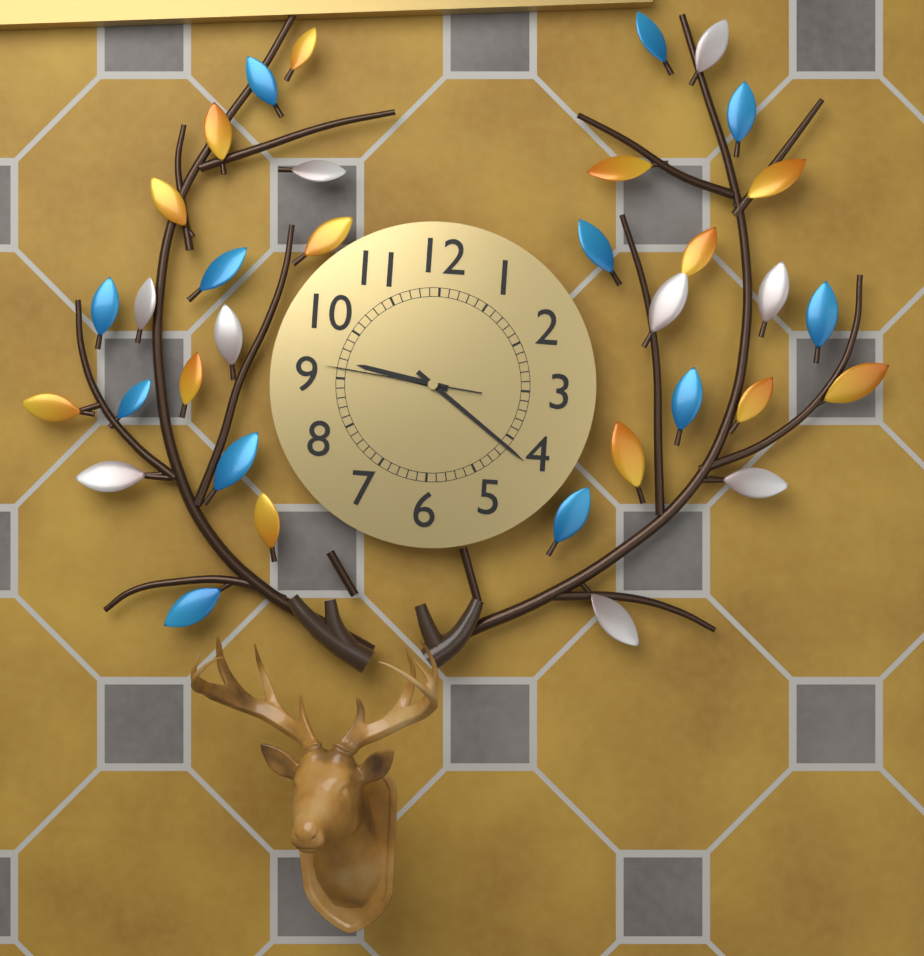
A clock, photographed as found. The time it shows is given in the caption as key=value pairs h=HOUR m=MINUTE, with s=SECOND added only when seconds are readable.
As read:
h=9 m=21 s=46
